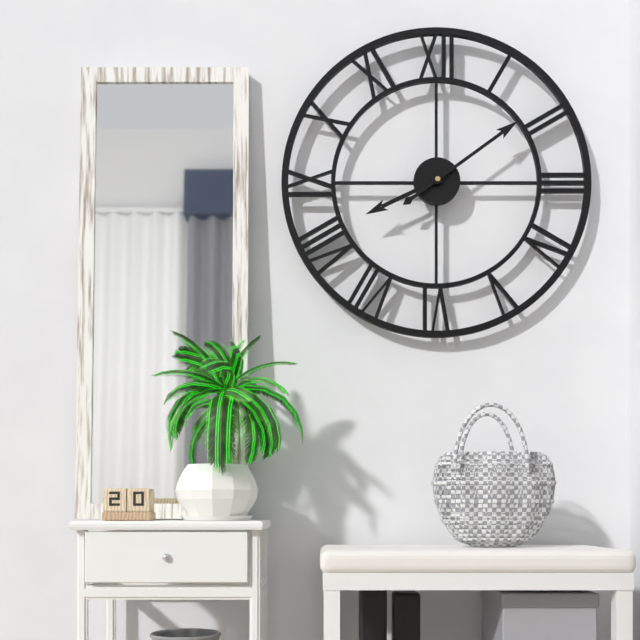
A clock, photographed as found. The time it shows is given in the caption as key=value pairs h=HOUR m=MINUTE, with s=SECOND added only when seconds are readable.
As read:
h=8 m=9
